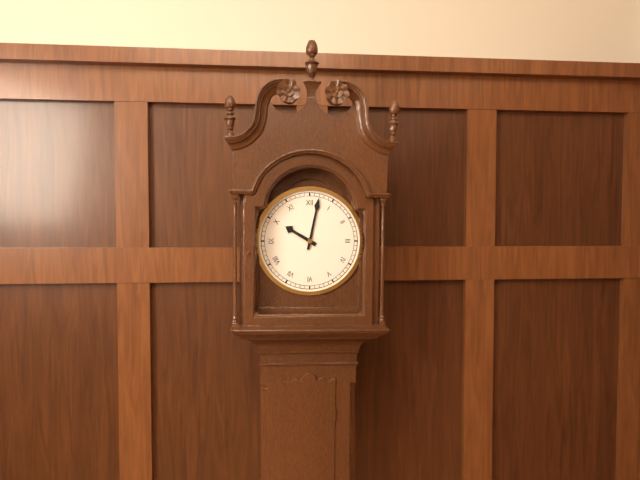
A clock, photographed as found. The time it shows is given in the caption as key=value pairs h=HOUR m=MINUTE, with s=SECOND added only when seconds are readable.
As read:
h=10 m=2
